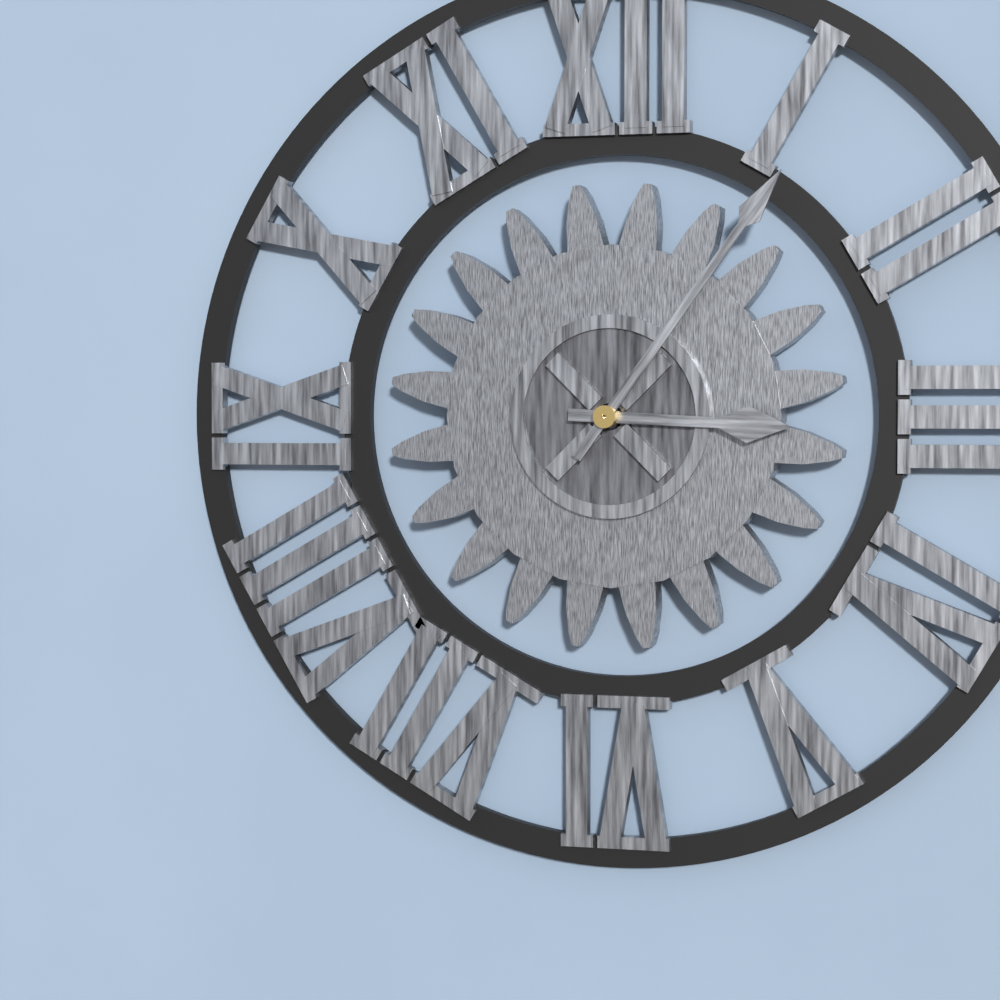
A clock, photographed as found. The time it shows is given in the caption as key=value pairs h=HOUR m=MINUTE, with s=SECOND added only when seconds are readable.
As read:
h=3 m=6
